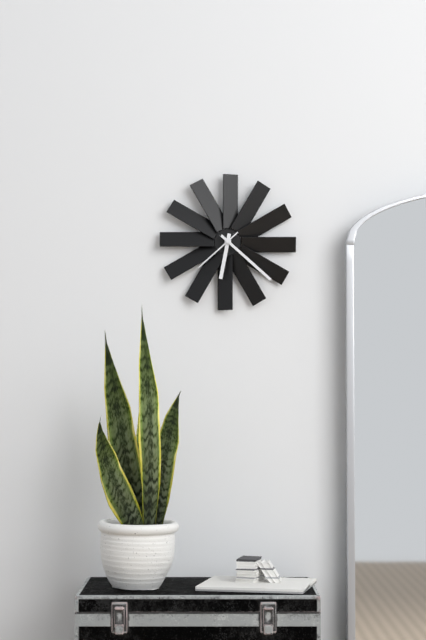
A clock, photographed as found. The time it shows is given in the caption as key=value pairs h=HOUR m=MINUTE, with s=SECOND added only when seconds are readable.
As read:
h=6 m=22
